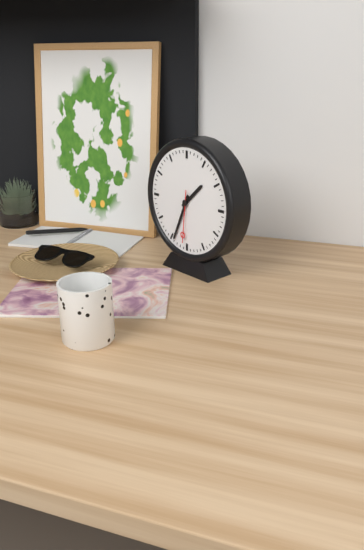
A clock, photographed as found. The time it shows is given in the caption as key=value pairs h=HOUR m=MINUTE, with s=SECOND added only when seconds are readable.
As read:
h=1 m=34 s=31
